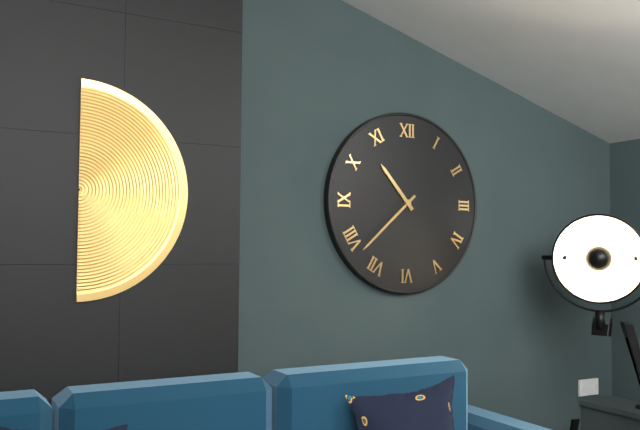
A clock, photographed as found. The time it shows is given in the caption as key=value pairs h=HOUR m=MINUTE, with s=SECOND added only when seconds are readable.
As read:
h=10 m=38
